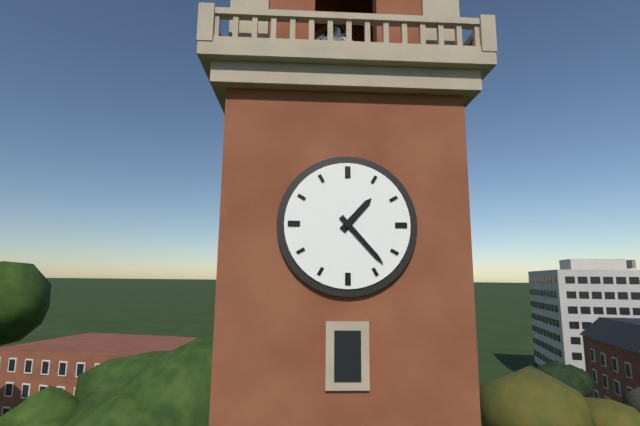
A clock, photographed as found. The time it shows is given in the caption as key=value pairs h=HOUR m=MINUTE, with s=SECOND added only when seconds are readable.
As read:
h=1 m=23
